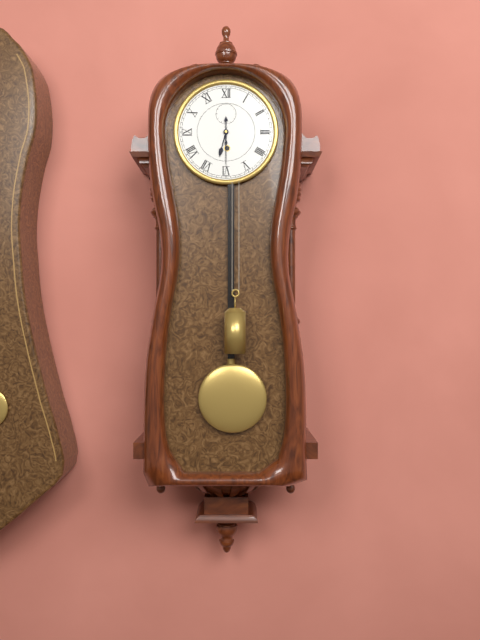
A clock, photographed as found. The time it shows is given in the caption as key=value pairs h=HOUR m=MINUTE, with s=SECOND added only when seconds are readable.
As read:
h=6 m=30
